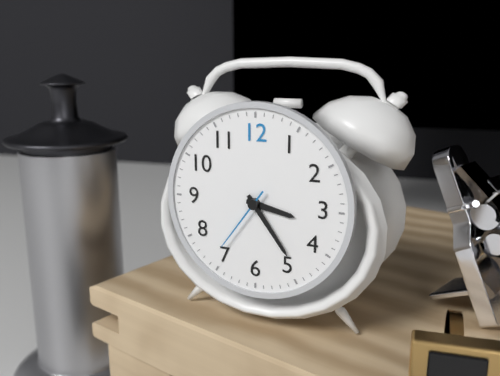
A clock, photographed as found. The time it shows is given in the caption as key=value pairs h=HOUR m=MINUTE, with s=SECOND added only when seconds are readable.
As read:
h=3 m=24 s=36
